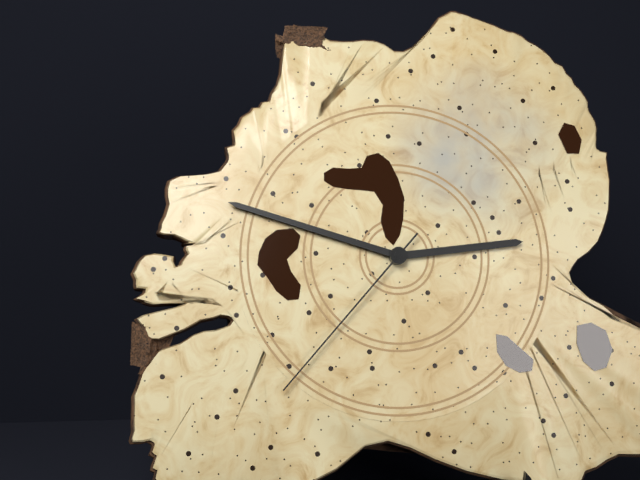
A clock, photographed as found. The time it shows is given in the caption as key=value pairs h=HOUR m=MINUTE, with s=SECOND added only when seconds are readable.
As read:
h=2 m=48 s=37
